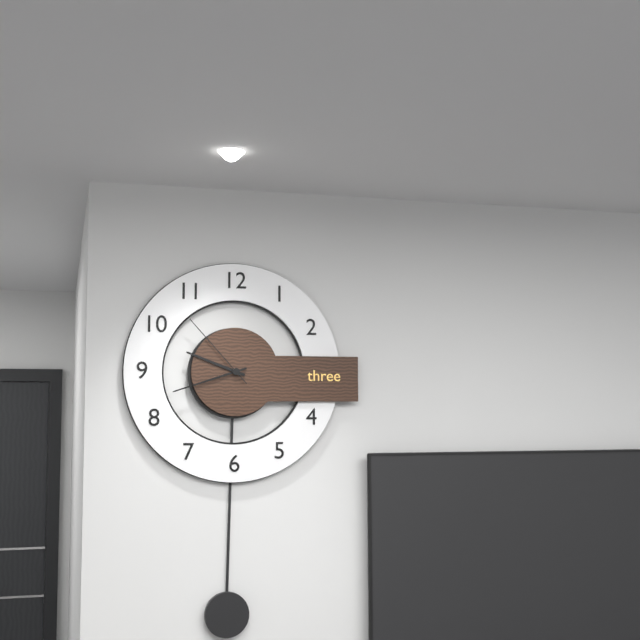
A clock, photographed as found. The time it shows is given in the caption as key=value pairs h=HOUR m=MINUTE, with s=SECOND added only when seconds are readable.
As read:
h=9 m=42 s=53
